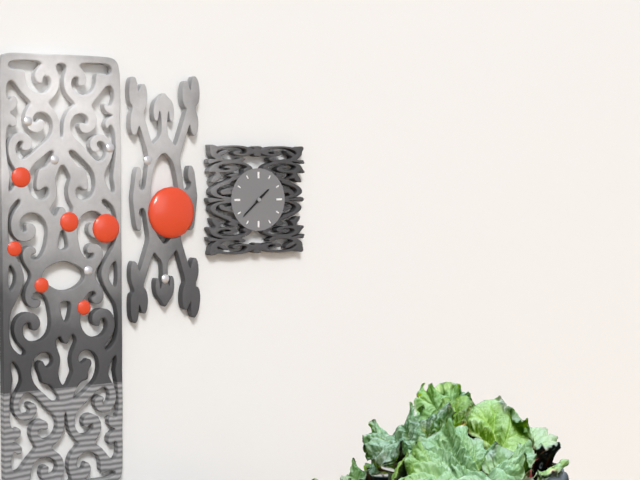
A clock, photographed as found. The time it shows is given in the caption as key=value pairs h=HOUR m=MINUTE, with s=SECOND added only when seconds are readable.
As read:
h=1 m=38
